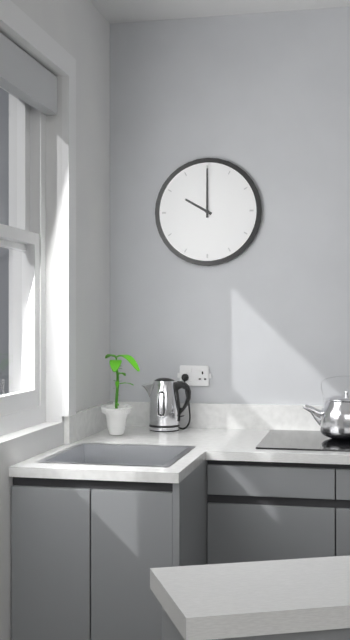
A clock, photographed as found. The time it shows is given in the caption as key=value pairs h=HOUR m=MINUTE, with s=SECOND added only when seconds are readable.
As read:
h=10 m=0
